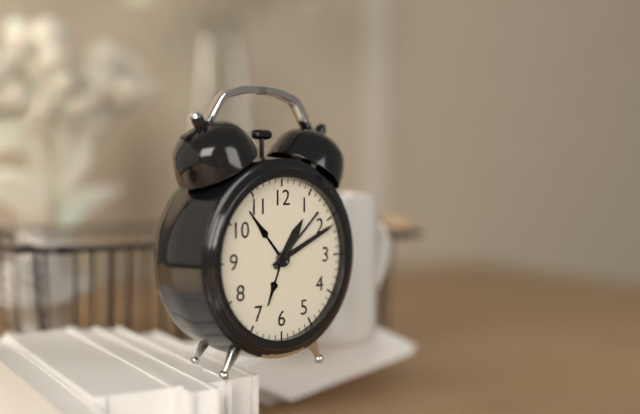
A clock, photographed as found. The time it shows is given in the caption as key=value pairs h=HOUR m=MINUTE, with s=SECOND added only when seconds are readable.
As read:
h=1 m=11
